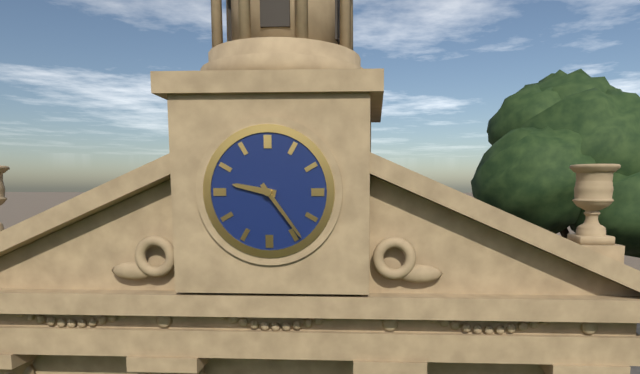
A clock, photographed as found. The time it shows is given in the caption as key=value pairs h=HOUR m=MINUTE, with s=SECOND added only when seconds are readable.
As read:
h=9 m=24
